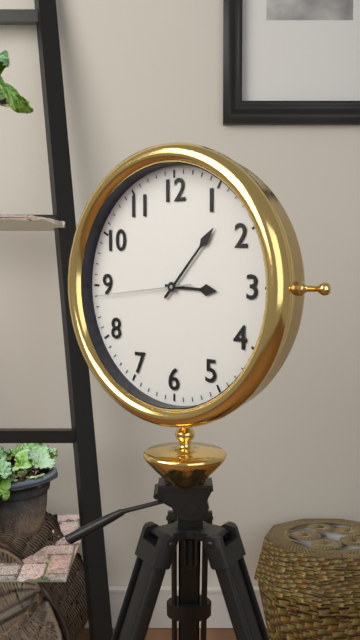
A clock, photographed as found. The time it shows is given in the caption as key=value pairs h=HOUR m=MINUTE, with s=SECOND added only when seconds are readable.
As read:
h=3 m=7 s=44
